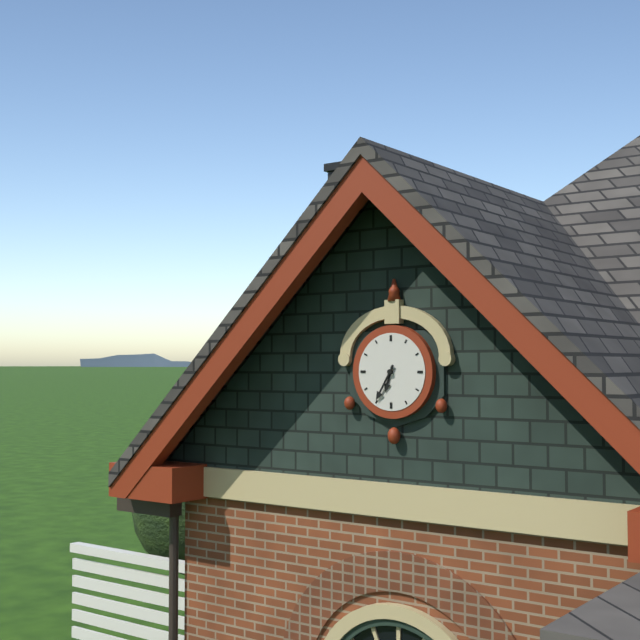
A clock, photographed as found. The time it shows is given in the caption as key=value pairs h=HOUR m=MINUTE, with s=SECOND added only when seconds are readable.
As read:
h=6 m=35
